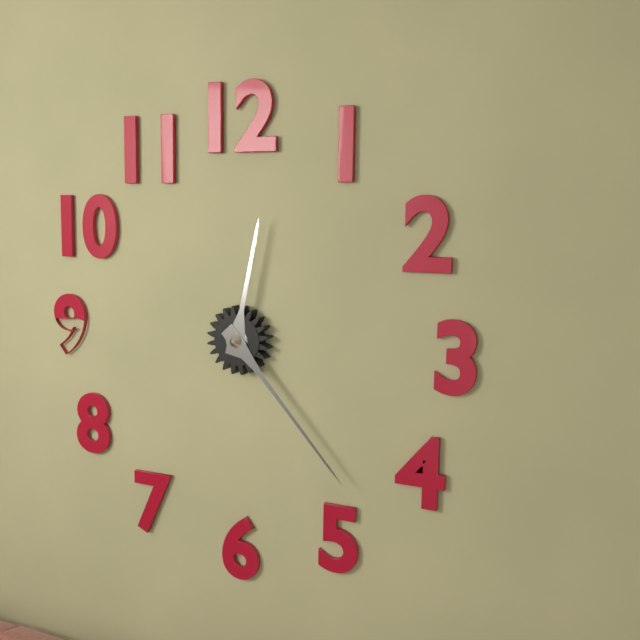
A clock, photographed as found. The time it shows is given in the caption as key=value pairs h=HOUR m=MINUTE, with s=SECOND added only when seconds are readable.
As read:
h=12 m=23
